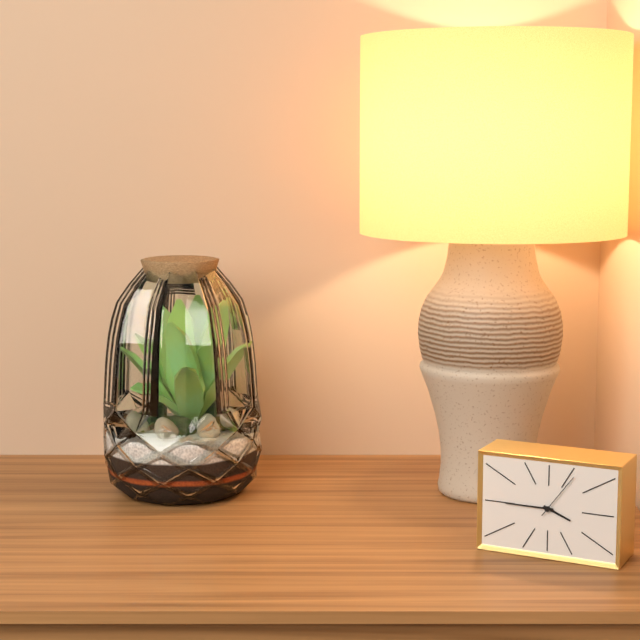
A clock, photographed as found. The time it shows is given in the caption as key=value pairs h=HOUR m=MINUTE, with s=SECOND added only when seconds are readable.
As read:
h=3 m=45 s=6
